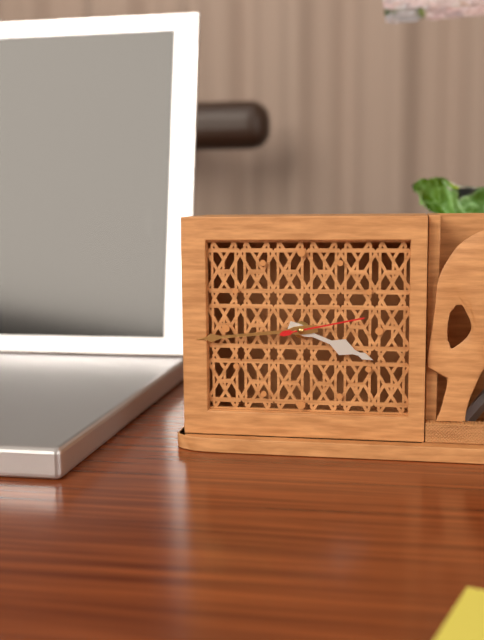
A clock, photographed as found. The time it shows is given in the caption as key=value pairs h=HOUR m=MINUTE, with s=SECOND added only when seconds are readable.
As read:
h=3 m=44 s=13
